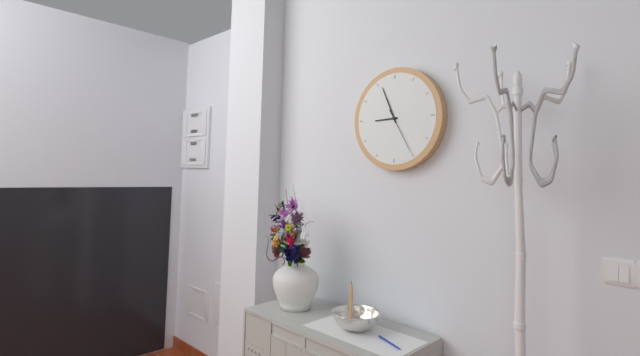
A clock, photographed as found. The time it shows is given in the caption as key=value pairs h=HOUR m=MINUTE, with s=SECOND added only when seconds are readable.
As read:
h=8 m=56
